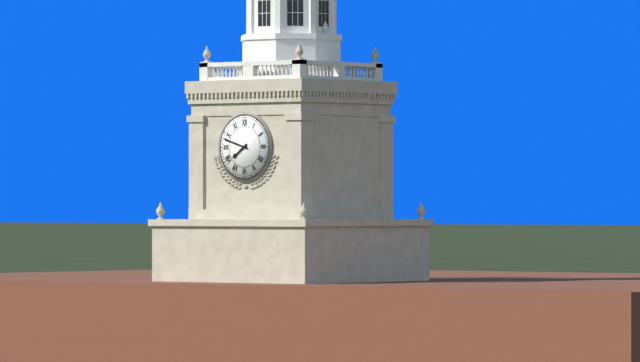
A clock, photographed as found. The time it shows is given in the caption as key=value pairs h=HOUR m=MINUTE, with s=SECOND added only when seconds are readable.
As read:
h=7 m=48
